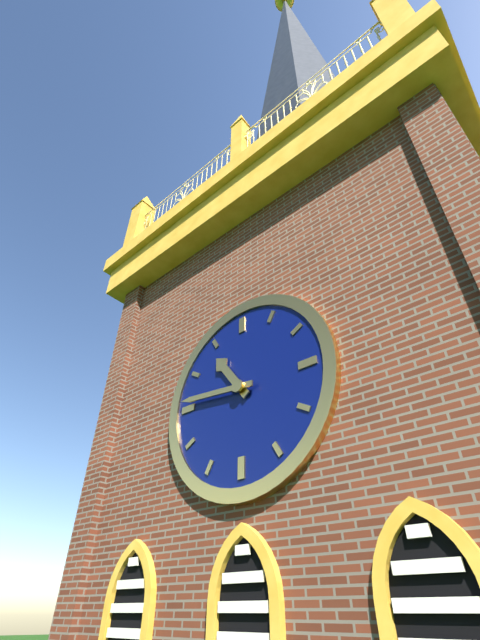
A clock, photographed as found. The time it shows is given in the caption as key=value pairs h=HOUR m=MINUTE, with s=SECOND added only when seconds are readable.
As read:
h=10 m=46
